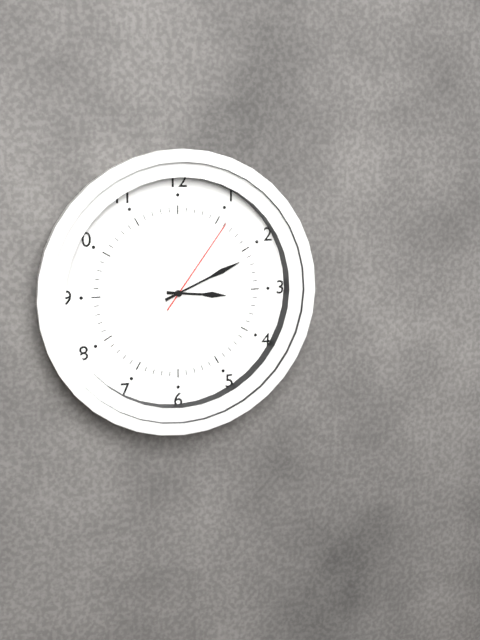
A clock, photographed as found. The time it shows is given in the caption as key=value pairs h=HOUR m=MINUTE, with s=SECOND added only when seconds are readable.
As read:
h=3 m=11 s=6
